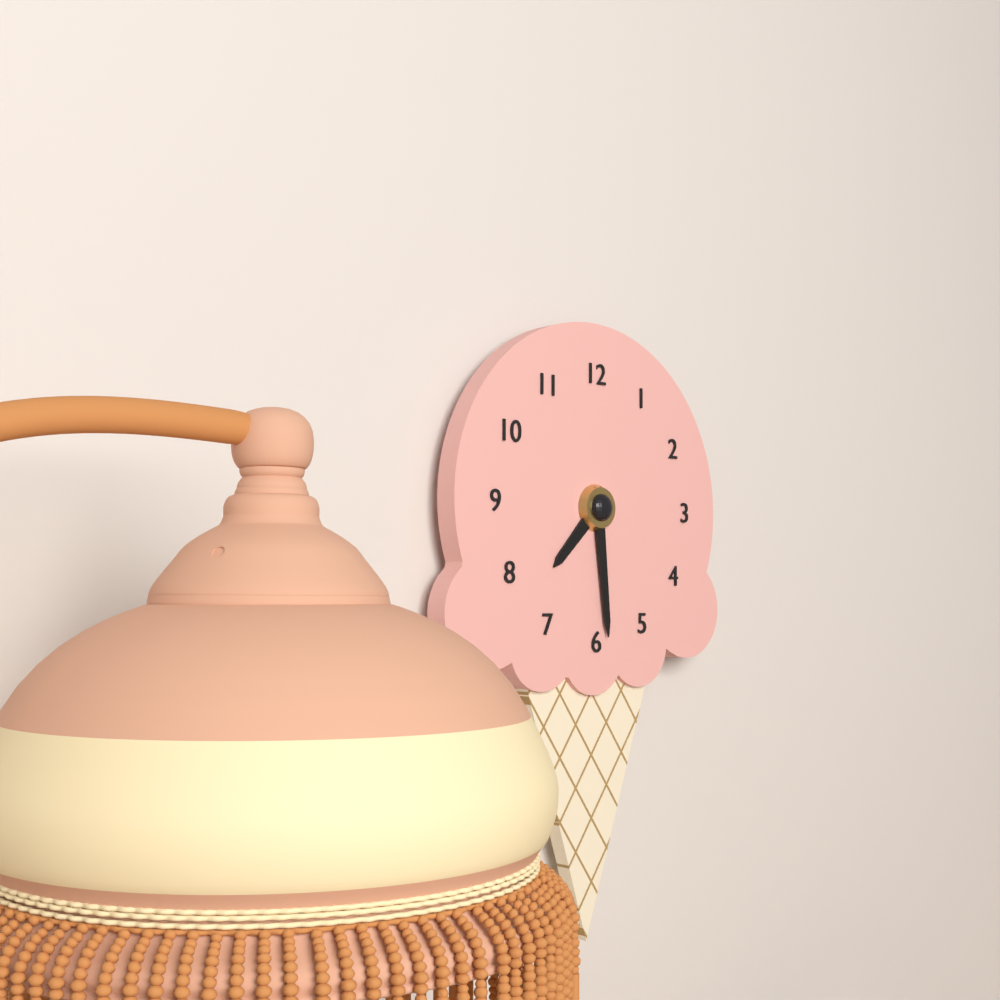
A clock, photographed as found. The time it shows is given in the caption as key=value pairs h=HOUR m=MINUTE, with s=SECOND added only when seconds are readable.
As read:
h=7 m=29
